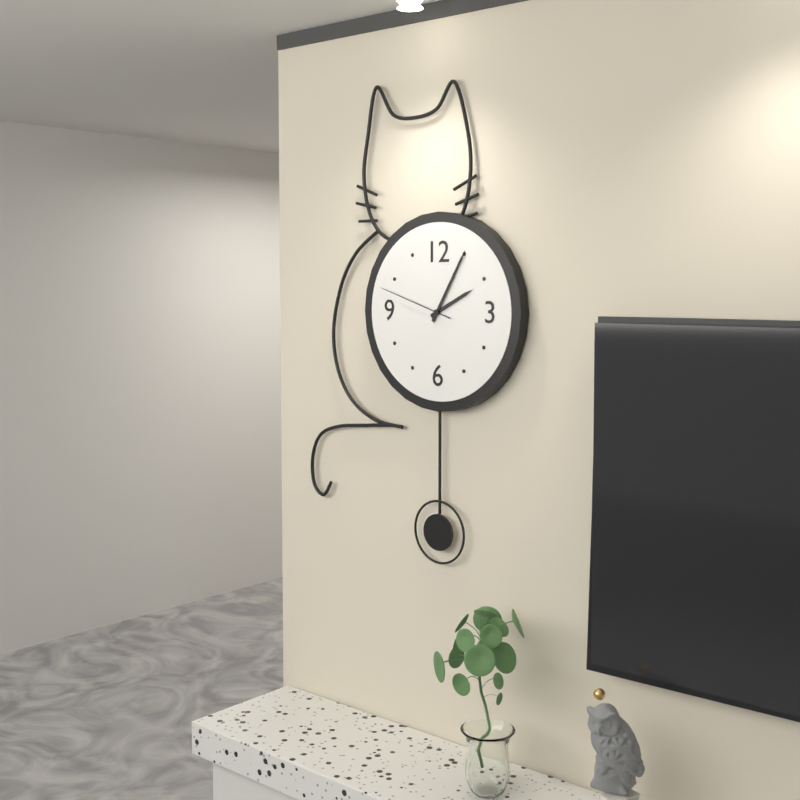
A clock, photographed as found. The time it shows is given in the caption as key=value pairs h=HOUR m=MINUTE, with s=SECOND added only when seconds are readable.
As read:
h=2 m=5 s=48
